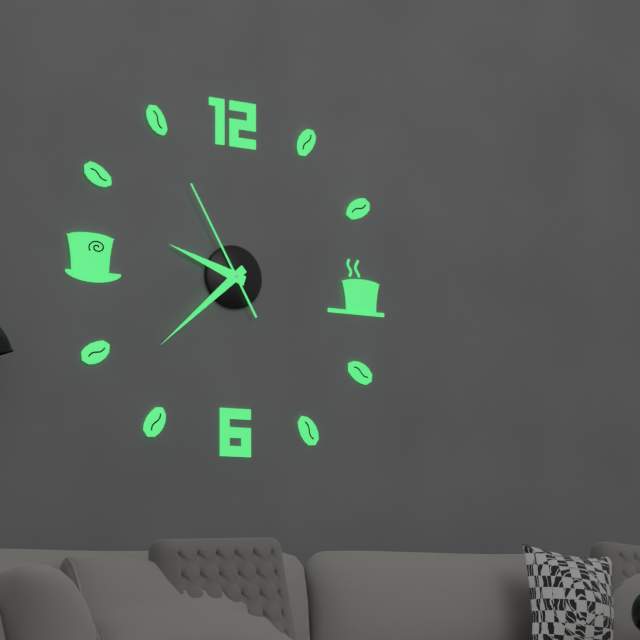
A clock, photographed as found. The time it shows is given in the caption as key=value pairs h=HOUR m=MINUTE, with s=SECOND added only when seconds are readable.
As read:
h=9 m=38 s=55
